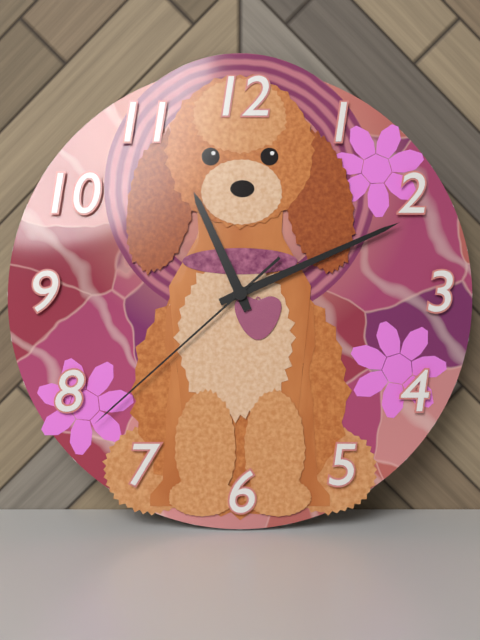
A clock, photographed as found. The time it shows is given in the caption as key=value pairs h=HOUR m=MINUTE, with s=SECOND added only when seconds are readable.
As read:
h=11 m=11 s=38
